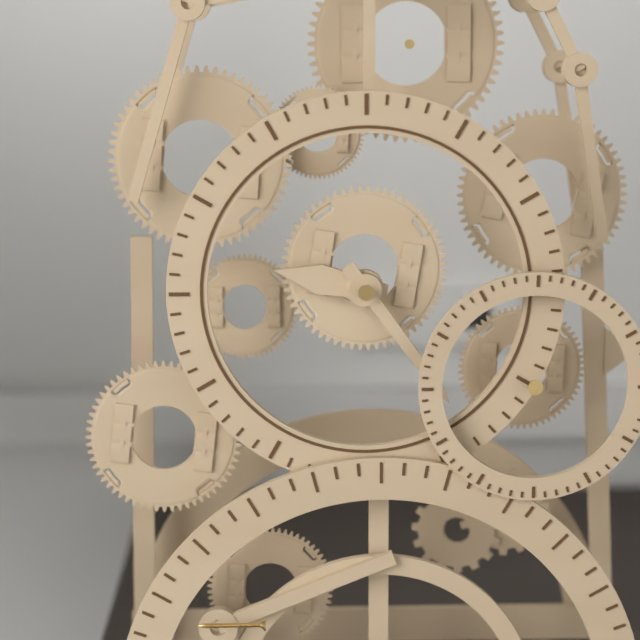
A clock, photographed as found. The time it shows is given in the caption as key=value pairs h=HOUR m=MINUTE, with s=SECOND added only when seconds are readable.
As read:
h=9 m=24
